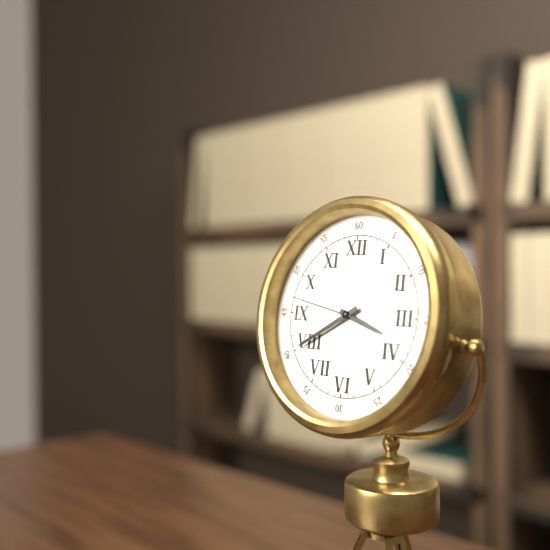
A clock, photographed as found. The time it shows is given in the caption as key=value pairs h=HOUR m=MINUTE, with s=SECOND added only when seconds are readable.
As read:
h=3 m=40 s=47
